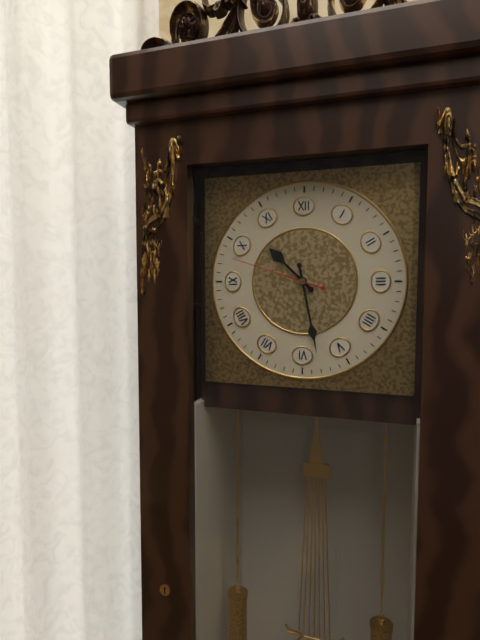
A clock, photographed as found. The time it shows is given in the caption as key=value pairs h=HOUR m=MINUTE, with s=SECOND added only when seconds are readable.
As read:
h=10 m=28 s=48
